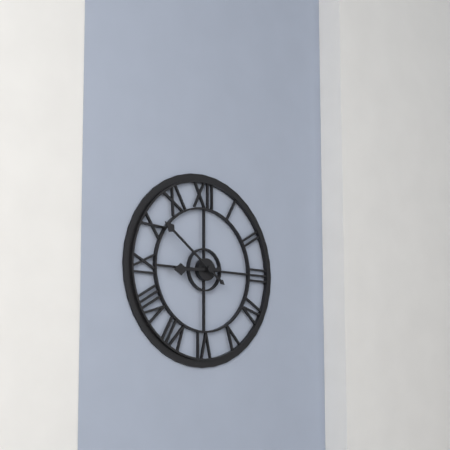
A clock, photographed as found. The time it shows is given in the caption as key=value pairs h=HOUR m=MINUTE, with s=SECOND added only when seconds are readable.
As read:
h=8 m=51
